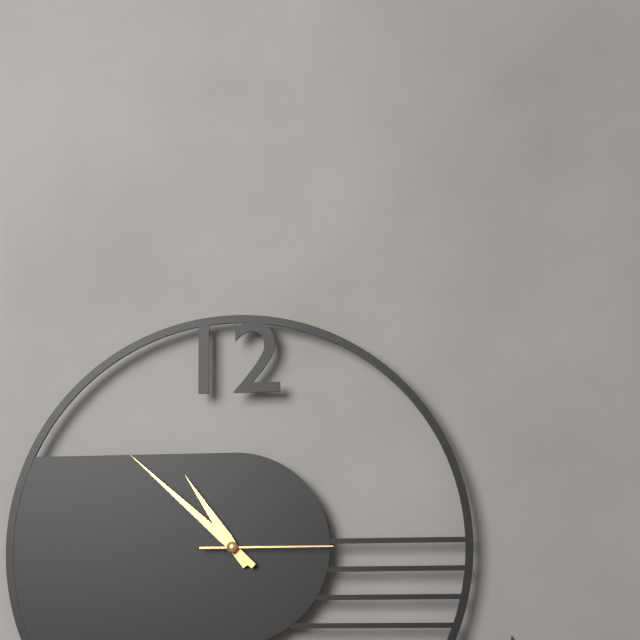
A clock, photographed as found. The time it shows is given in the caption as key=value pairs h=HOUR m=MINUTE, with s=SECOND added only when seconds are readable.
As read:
h=10 m=52 s=15
